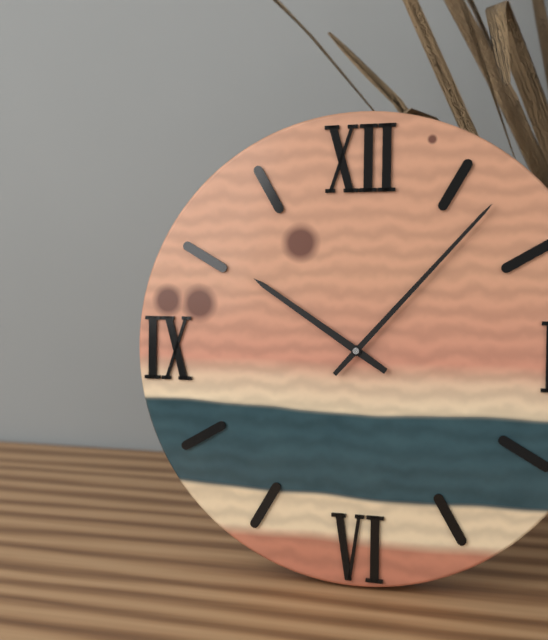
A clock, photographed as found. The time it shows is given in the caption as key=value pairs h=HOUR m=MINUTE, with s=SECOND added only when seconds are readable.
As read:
h=10 m=7
